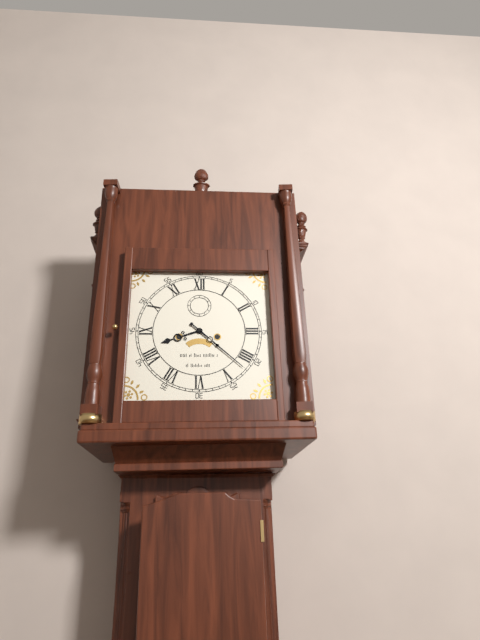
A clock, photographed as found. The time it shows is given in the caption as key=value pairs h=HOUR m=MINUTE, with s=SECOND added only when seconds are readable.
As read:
h=8 m=22
